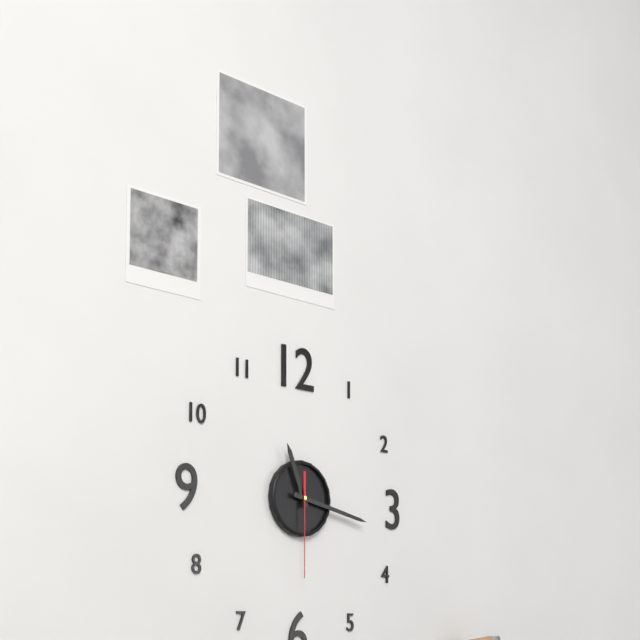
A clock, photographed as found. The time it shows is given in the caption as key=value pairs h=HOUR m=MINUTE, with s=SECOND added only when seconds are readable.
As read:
h=11 m=17 s=30
